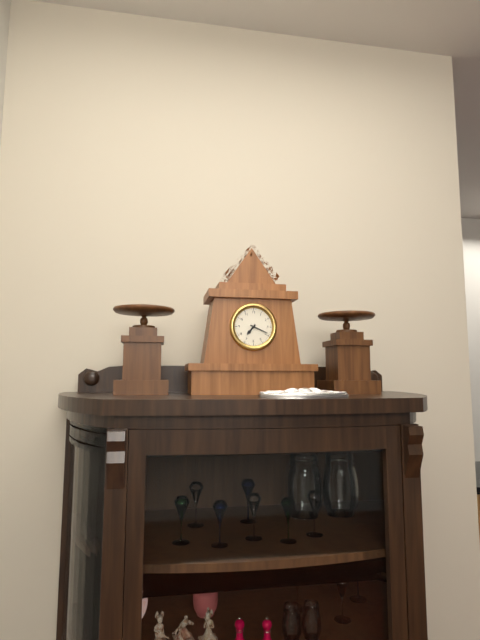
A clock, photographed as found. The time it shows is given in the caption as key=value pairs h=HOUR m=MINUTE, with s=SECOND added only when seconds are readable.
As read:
h=7 m=19
